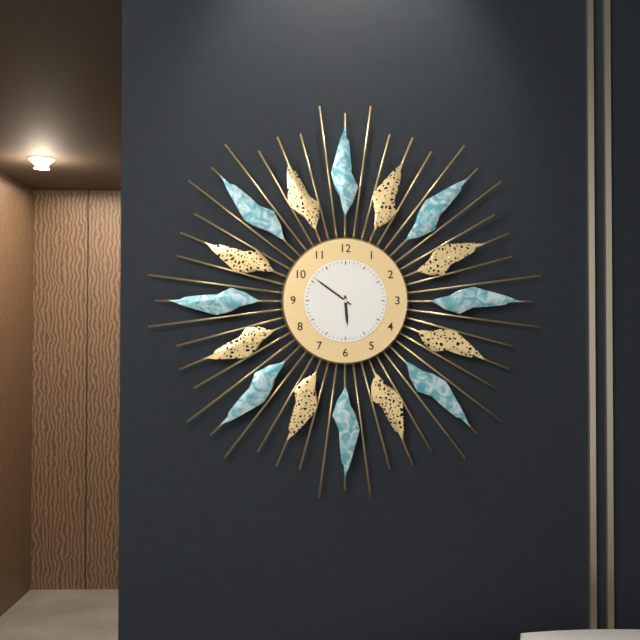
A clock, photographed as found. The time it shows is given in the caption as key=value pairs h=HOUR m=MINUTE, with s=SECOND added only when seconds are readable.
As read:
h=5 m=51
